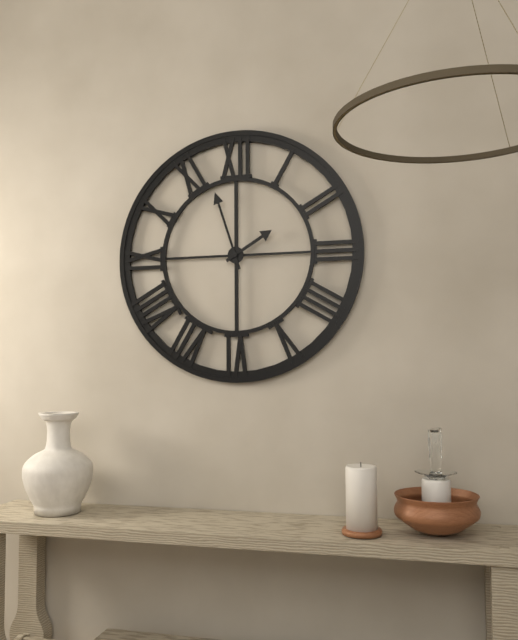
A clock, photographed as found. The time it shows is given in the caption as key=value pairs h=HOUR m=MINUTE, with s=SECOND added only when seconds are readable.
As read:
h=1 m=57
